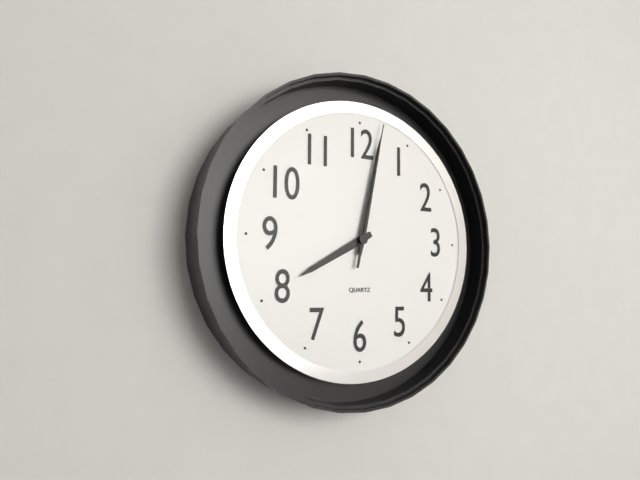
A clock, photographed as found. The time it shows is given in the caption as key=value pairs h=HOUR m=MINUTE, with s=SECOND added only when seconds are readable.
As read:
h=8 m=2 s=2
